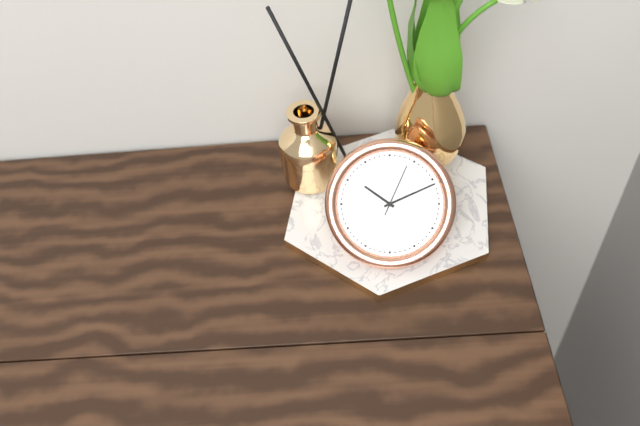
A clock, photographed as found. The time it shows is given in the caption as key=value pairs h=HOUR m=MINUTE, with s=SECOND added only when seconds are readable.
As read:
h=10 m=11 s=4
